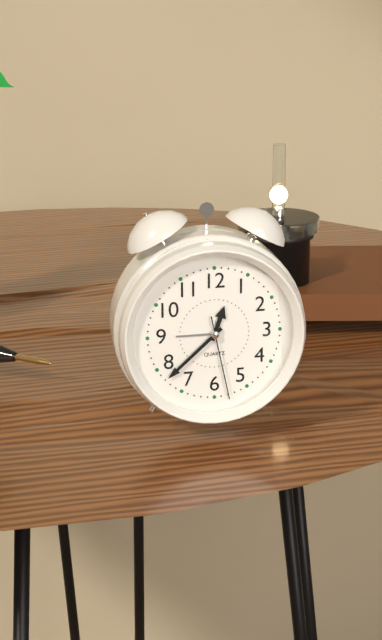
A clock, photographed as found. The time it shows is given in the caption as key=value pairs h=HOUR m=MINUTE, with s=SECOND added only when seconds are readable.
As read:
h=12 m=38 s=28
